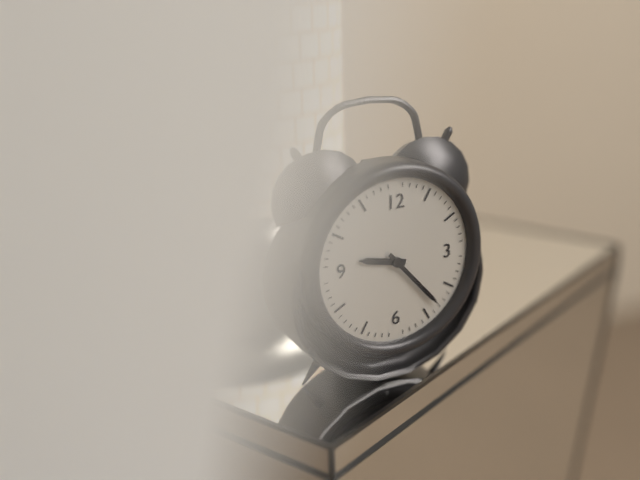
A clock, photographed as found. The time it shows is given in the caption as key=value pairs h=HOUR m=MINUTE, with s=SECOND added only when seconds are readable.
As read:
h=9 m=23
